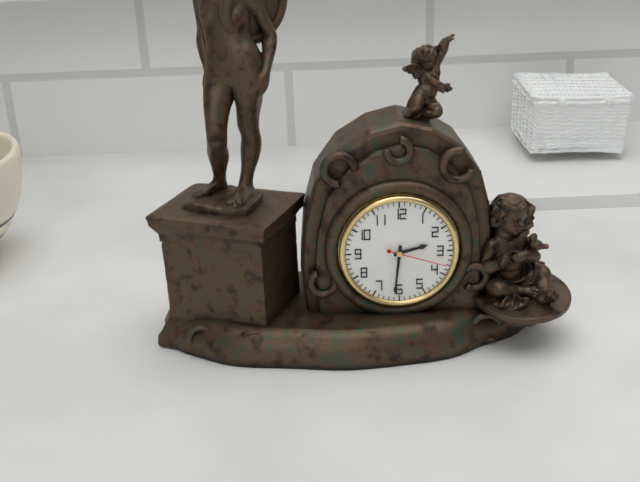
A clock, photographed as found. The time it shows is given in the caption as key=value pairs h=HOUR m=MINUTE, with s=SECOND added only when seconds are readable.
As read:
h=2 m=31 s=18
